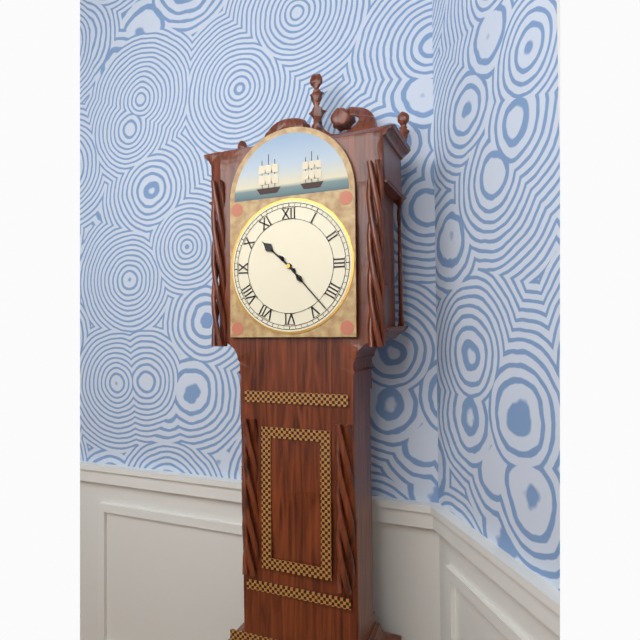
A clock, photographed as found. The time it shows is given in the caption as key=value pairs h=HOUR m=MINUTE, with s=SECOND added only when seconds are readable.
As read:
h=10 m=23
